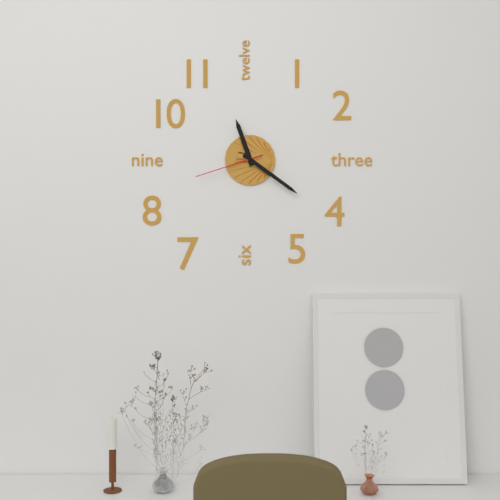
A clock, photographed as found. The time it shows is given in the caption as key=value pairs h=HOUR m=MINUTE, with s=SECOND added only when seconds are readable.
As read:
h=11 m=21 s=42
